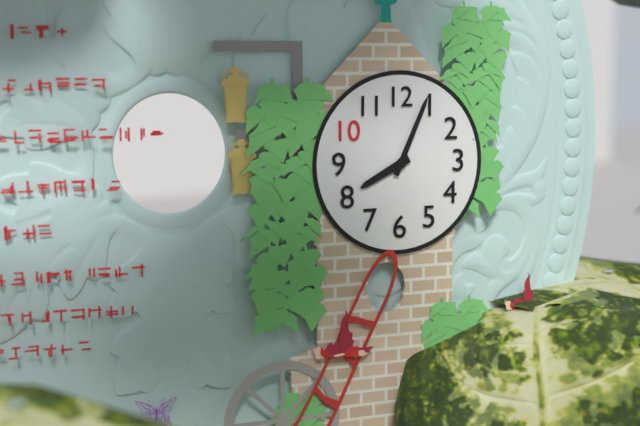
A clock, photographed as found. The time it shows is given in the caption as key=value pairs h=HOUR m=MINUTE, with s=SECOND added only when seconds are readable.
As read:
h=8 m=4
